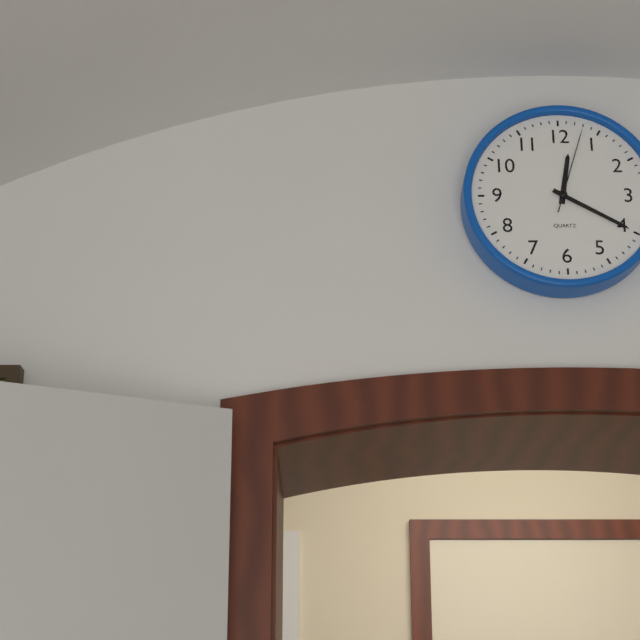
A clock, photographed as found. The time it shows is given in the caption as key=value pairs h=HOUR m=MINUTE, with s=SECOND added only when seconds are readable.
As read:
h=12 m=20 s=3
